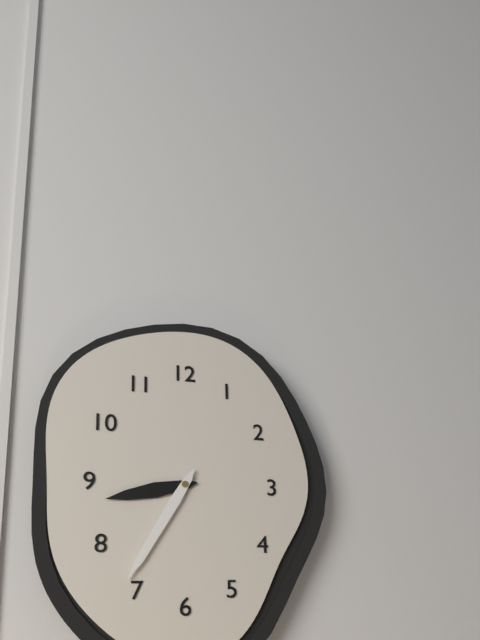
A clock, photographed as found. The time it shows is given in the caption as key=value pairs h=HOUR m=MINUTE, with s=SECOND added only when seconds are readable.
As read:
h=8 m=35
